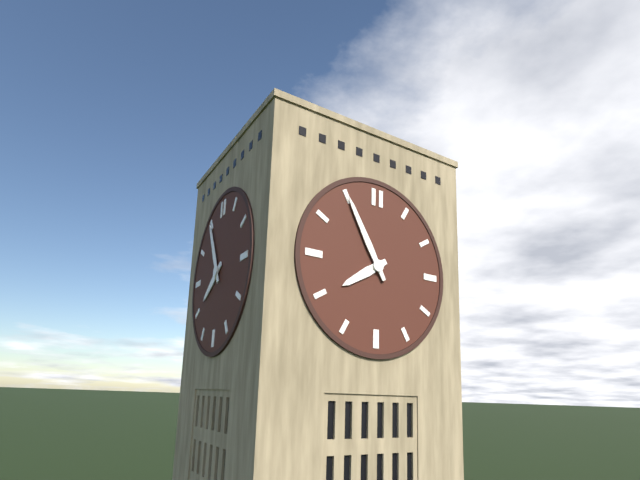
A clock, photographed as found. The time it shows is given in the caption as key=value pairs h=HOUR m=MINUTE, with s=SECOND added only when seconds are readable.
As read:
h=7 m=55
